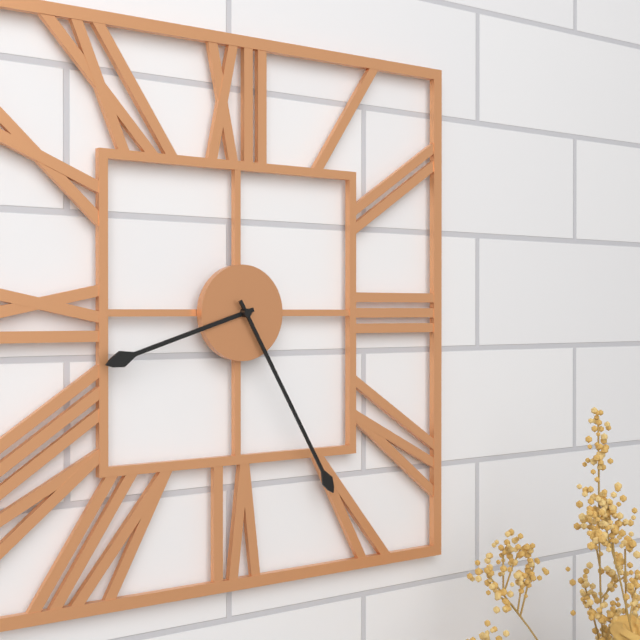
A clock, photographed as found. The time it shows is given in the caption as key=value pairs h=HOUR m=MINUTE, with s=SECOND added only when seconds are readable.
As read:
h=8 m=25
